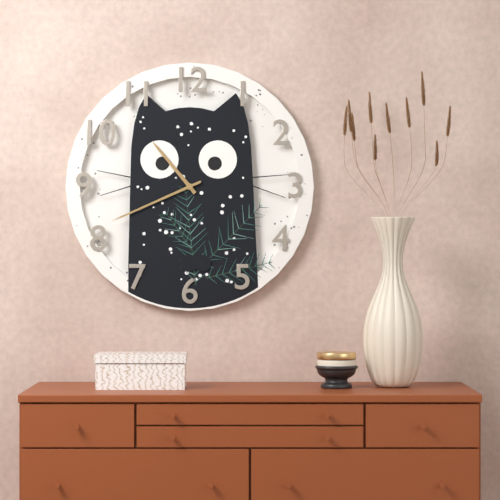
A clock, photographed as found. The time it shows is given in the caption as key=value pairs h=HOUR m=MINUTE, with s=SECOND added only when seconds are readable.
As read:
h=10 m=41
